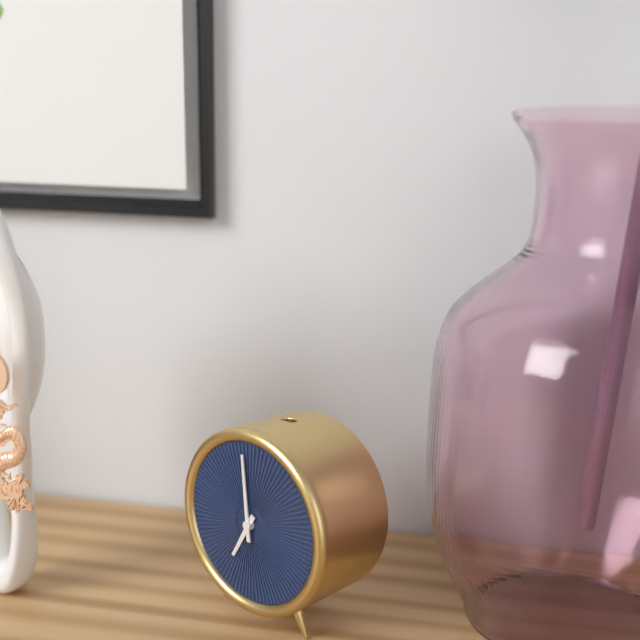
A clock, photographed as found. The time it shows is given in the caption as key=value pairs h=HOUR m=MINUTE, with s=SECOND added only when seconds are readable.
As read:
h=6 m=59
